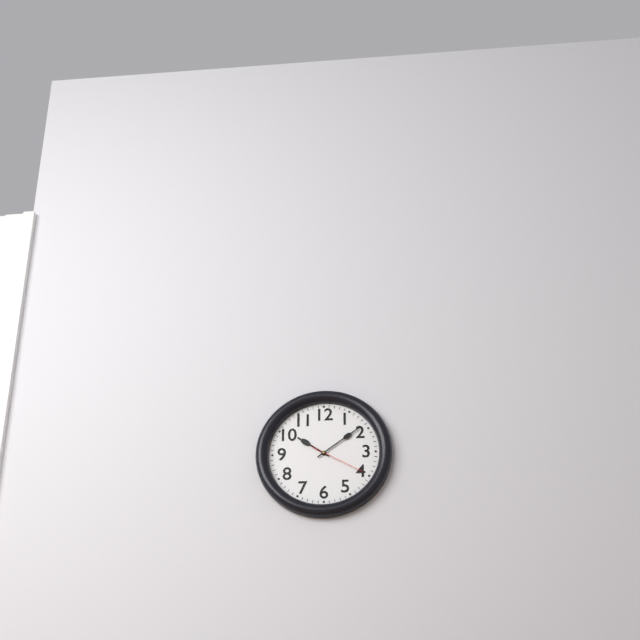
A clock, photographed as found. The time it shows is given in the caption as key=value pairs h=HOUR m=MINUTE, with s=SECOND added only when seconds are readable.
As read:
h=10 m=9 s=20
